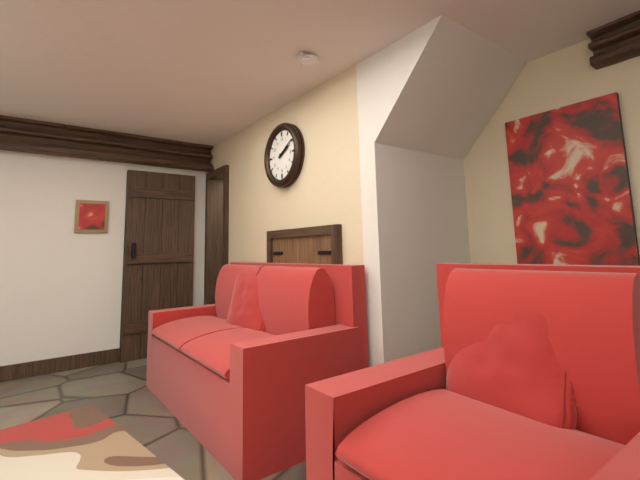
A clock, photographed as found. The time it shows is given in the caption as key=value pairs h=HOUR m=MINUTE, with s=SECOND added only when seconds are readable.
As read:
h=2 m=10
